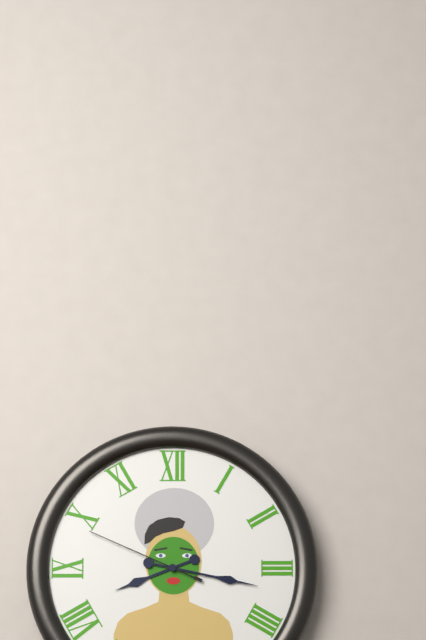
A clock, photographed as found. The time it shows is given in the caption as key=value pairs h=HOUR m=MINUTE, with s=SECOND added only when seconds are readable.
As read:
h=8 m=17 s=49
